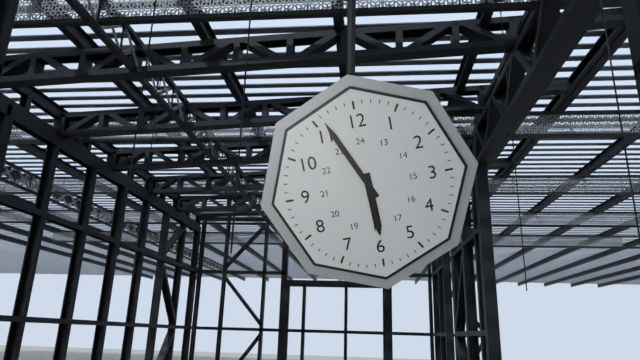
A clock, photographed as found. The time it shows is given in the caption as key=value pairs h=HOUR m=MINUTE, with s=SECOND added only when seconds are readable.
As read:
h=5 m=56
